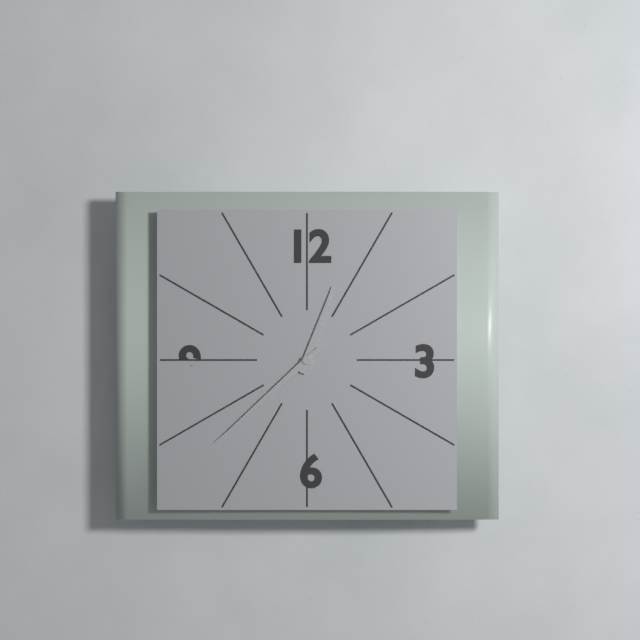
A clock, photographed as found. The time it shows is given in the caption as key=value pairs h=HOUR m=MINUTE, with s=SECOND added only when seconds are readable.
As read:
h=12 m=38
